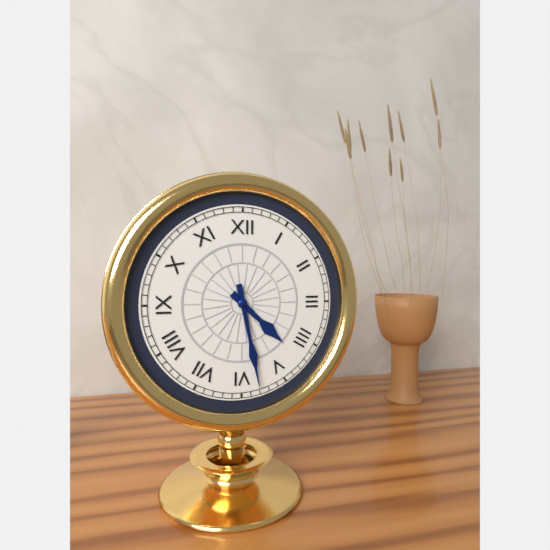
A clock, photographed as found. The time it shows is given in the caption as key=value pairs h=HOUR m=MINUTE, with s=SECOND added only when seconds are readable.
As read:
h=4 m=28
